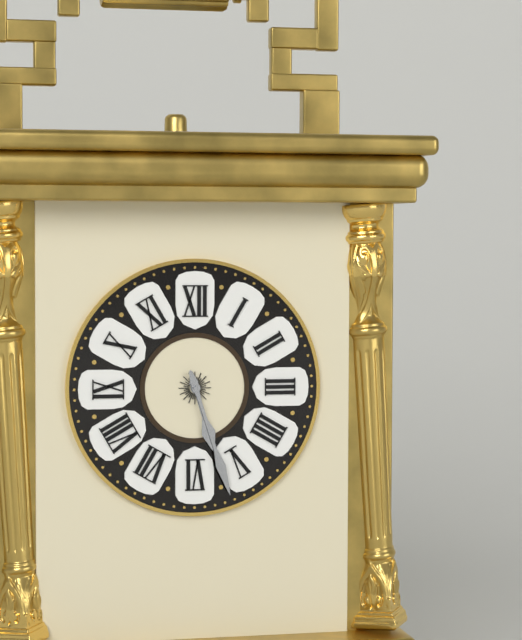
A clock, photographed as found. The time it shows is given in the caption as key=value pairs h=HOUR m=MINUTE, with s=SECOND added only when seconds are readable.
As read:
h=5 m=27
